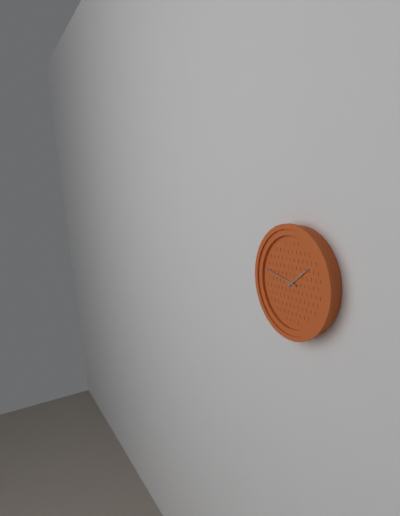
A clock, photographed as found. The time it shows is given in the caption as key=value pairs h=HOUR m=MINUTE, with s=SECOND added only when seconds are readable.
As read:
h=1 m=47
